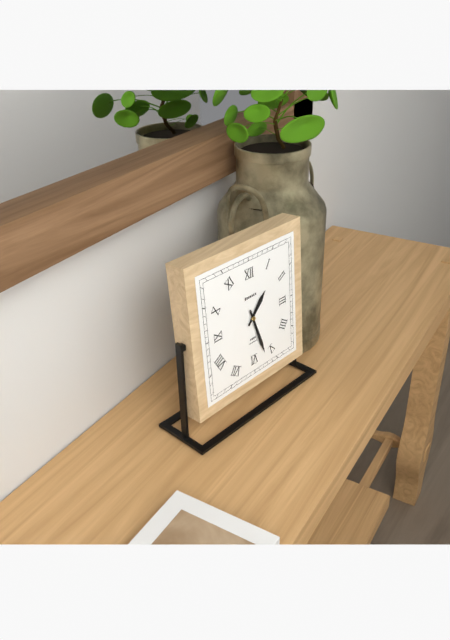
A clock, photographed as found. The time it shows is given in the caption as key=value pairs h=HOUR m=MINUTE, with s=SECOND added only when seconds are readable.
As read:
h=1 m=27
